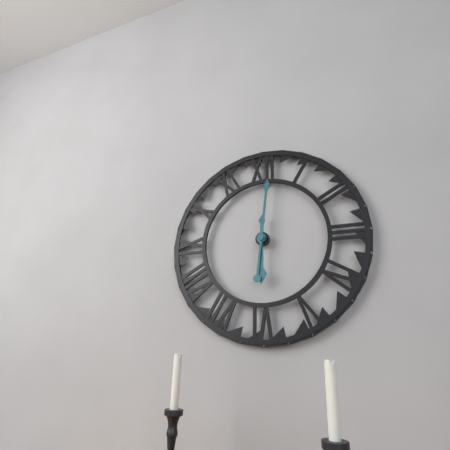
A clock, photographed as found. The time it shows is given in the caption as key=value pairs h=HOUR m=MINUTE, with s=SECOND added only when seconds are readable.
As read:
h=6 m=1
